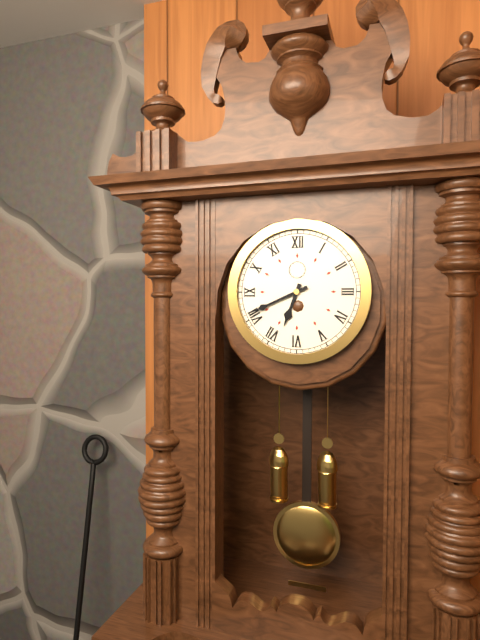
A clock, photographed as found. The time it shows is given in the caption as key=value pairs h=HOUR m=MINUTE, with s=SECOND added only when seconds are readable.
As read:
h=6 m=41
